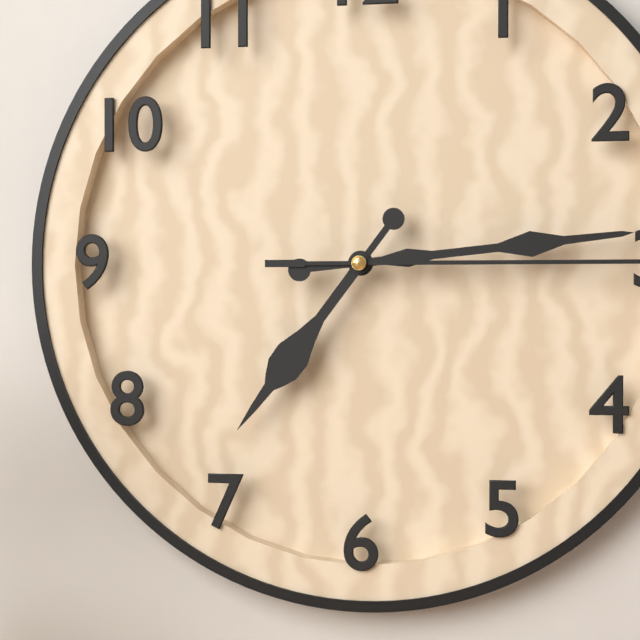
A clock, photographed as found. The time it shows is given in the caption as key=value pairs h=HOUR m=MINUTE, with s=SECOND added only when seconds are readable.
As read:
h=7 m=14
